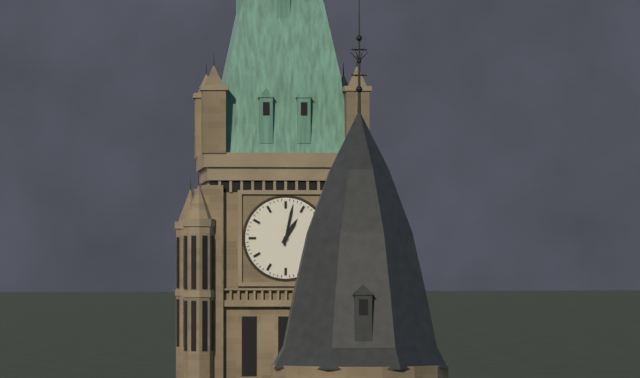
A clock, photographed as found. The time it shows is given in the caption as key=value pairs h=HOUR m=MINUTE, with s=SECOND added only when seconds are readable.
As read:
h=1 m=2
